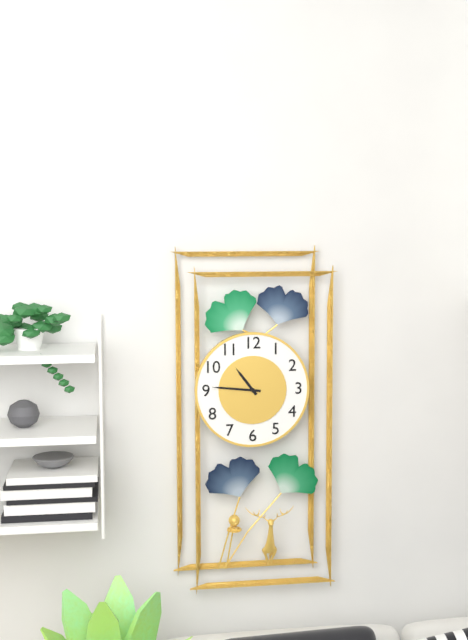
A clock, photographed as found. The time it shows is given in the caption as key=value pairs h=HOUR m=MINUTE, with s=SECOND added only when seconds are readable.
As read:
h=10 m=46
